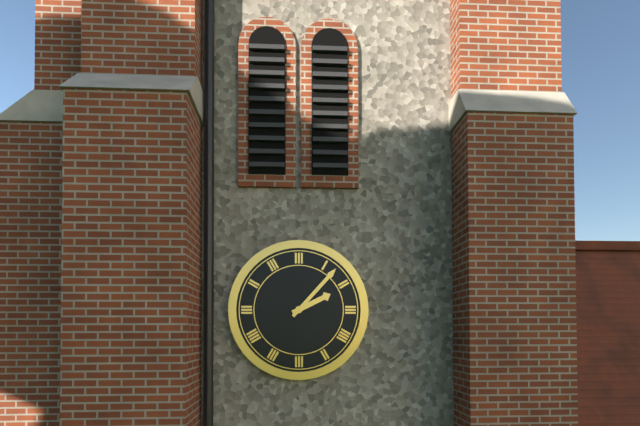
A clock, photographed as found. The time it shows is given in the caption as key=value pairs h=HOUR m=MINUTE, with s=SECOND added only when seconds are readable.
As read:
h=2 m=7
